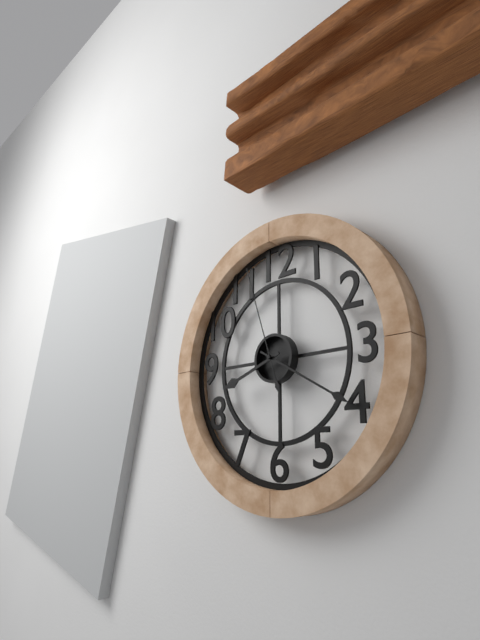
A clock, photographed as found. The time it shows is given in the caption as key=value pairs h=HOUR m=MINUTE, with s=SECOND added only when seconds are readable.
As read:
h=8 m=20 s=57
